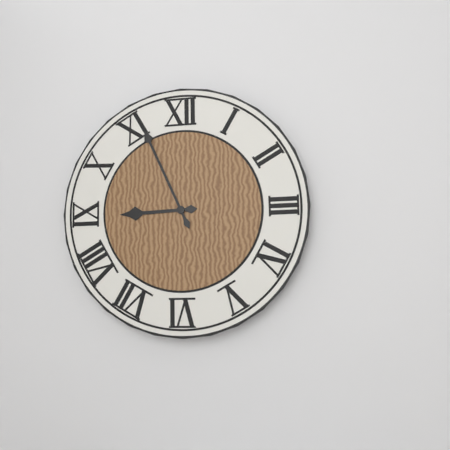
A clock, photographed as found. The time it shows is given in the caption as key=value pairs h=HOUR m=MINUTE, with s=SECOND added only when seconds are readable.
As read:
h=8 m=56
